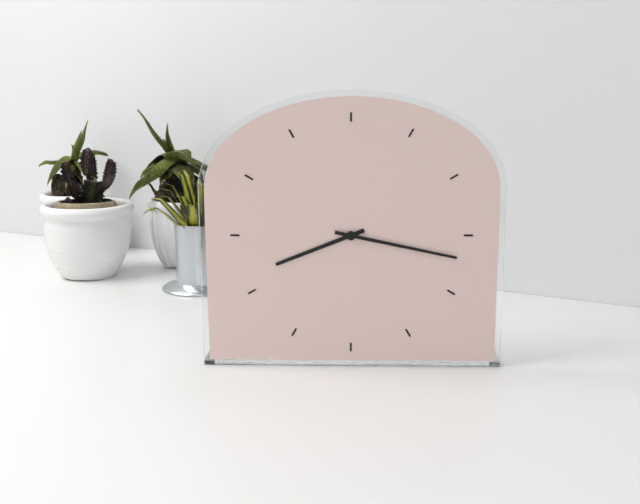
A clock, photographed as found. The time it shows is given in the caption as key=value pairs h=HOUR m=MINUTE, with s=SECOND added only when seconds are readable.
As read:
h=8 m=17
